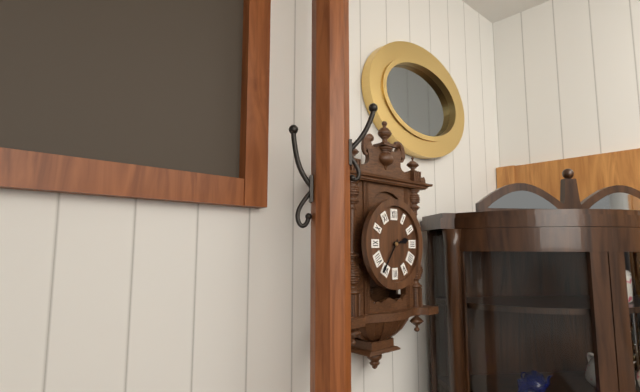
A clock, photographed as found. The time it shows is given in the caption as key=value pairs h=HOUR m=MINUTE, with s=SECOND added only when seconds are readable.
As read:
h=2 m=36
